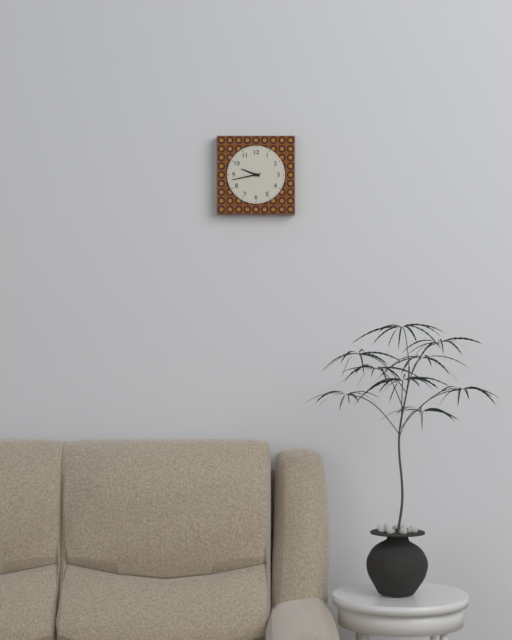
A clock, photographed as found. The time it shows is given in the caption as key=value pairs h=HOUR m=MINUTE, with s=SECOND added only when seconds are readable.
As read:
h=9 m=43
